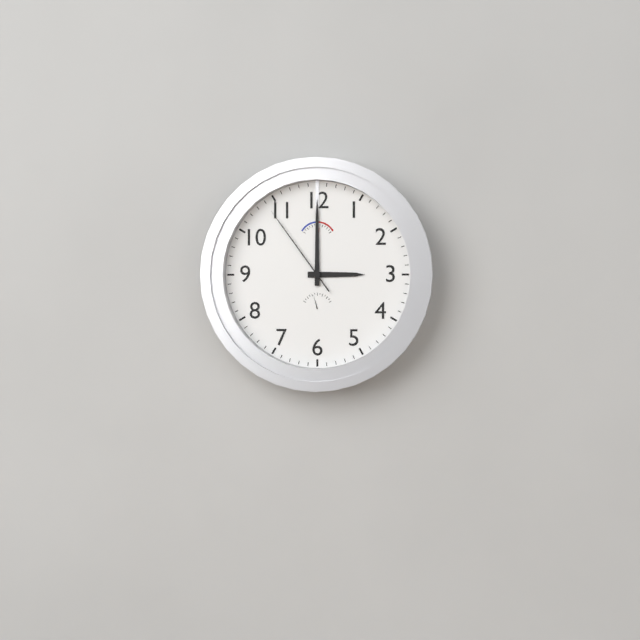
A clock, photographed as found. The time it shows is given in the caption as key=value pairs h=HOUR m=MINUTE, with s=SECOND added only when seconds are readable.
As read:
h=3 m=0 s=54
